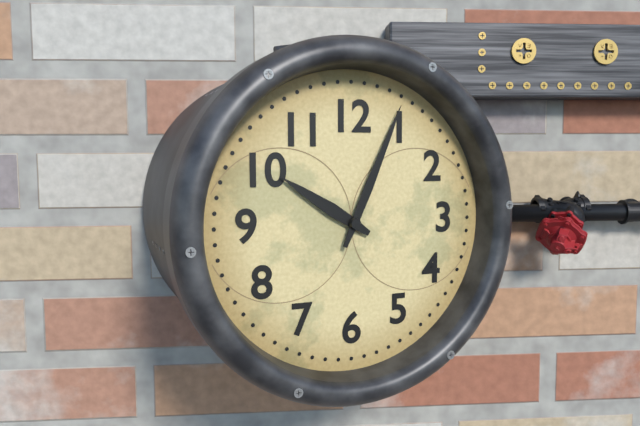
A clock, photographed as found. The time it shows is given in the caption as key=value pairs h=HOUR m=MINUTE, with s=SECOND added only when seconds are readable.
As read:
h=10 m=4
